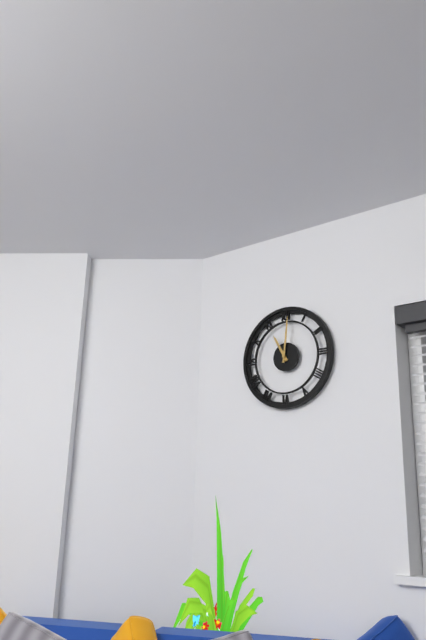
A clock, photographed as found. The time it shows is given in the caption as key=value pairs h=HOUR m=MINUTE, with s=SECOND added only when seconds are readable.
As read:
h=11 m=1
